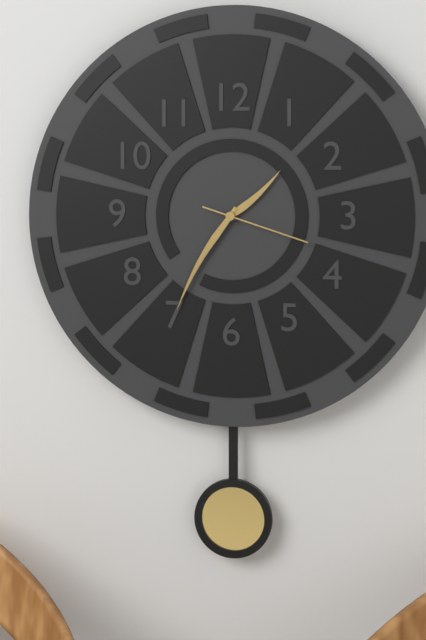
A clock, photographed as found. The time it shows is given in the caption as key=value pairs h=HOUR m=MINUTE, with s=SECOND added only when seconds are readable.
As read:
h=1 m=35 s=18
